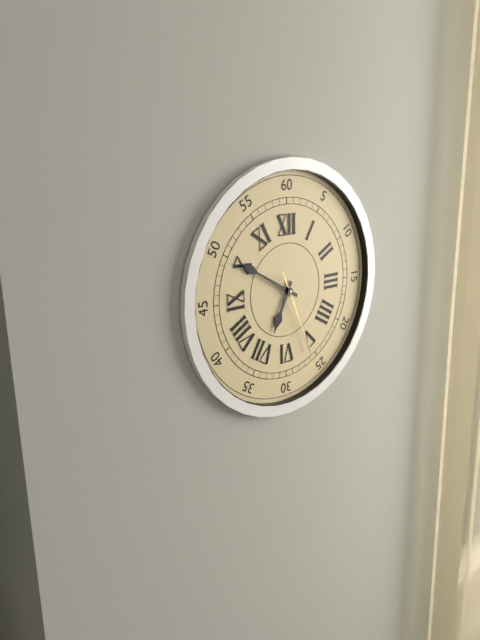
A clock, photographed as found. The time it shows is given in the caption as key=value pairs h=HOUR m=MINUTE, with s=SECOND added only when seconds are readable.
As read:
h=6 m=50 s=26
